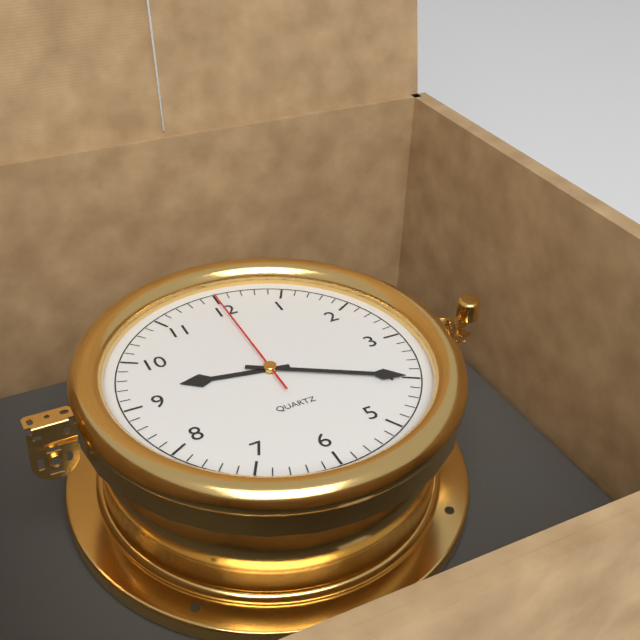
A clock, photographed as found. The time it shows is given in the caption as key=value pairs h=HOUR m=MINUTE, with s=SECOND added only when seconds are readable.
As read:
h=9 m=20 s=0
